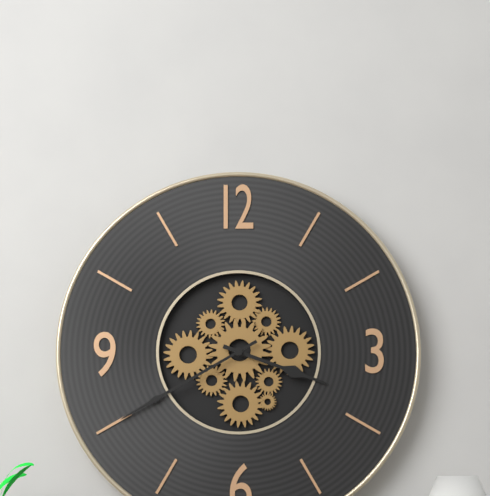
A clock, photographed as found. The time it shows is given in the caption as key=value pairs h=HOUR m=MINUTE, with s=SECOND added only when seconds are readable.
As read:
h=3 m=40
